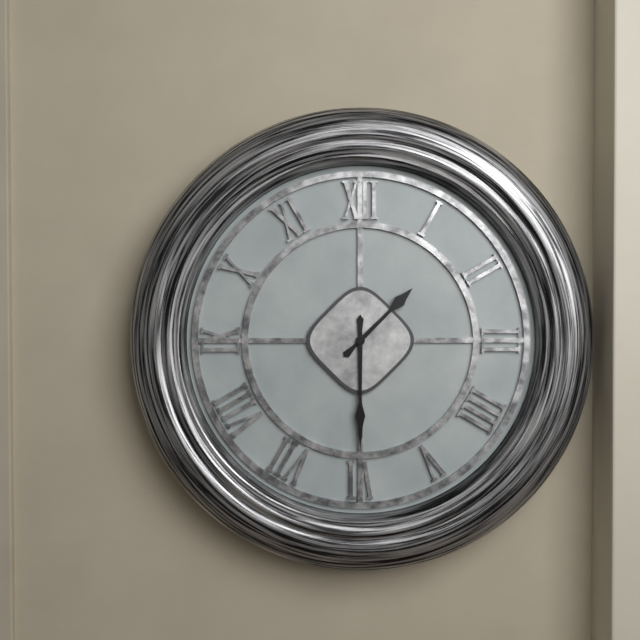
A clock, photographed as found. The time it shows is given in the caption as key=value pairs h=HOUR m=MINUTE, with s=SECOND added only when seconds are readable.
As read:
h=1 m=30
